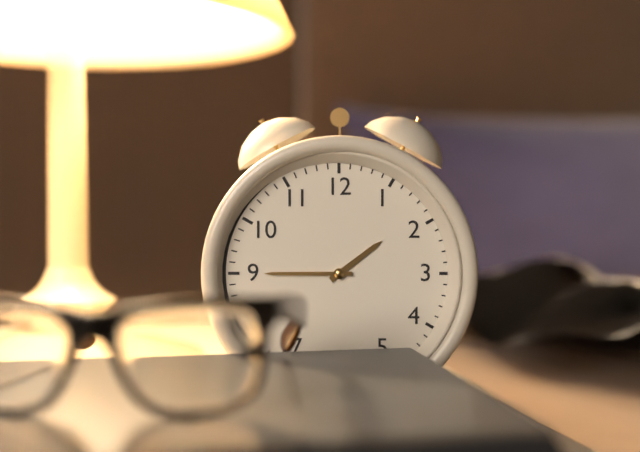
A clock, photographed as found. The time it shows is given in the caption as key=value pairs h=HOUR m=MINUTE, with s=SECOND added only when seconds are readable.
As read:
h=1 m=45
